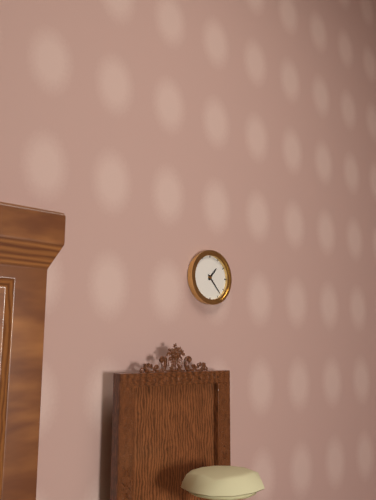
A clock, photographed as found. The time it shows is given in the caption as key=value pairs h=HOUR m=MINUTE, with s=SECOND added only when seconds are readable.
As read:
h=1 m=23
